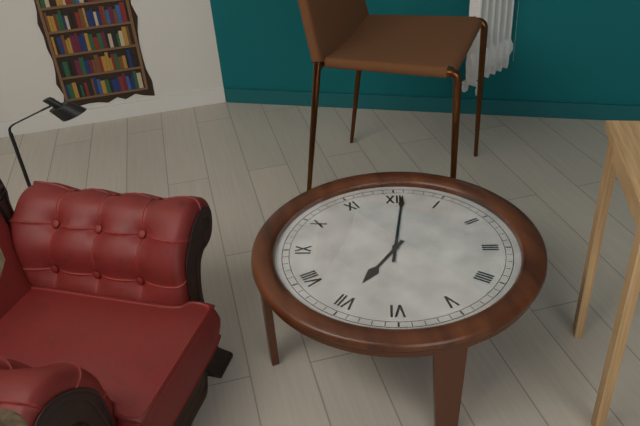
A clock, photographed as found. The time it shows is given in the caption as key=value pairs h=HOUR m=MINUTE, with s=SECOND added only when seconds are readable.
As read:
h=7 m=1
